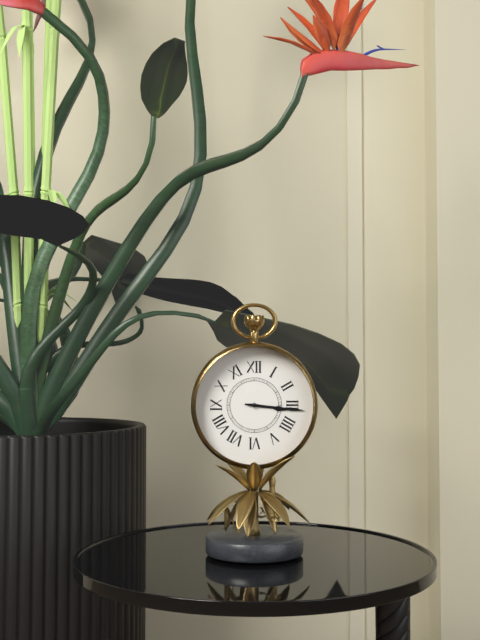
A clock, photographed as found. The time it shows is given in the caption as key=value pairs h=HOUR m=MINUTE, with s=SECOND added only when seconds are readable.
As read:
h=3 m=16
